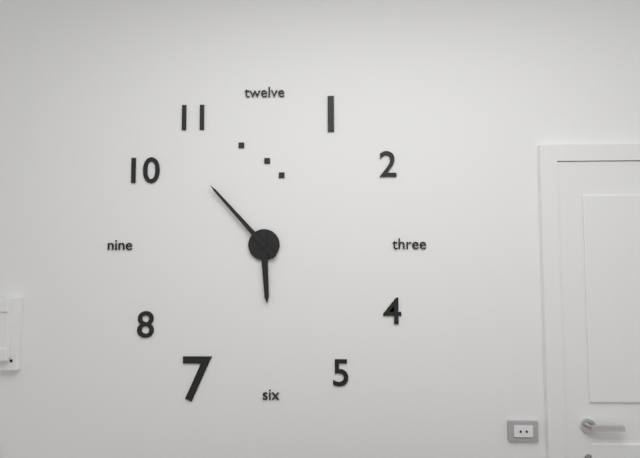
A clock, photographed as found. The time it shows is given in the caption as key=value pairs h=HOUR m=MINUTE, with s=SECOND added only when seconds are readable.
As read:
h=5 m=53
